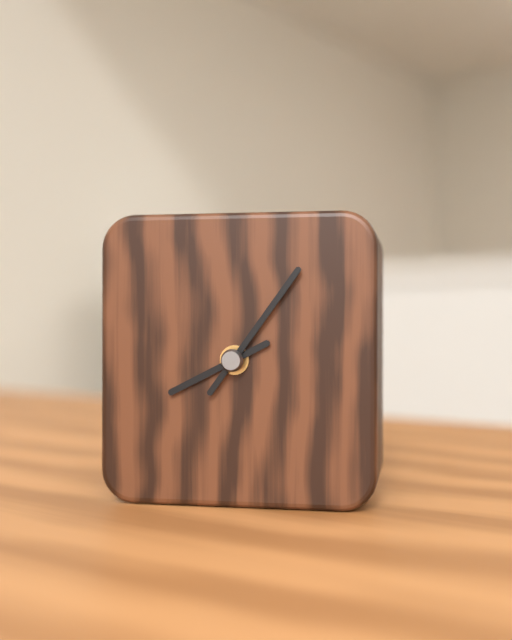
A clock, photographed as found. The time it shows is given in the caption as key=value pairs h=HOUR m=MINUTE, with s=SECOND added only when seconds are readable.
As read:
h=8 m=6
